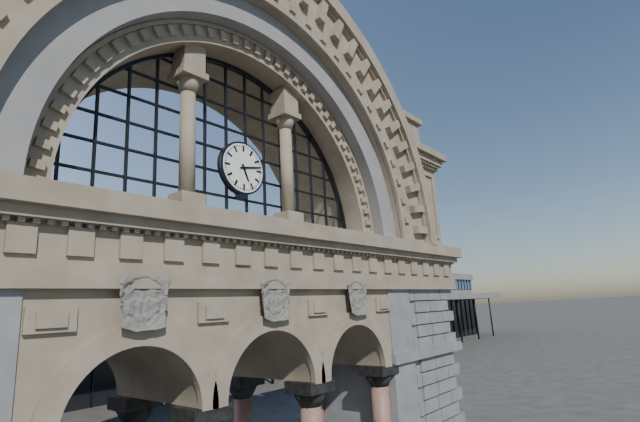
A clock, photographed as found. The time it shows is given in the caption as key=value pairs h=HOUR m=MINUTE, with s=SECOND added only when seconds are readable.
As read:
h=5 m=13
